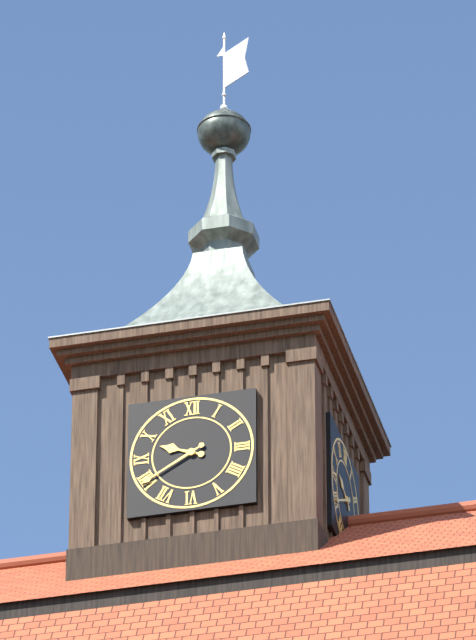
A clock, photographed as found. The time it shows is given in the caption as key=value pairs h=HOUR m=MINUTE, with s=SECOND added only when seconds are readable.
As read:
h=9 m=40
